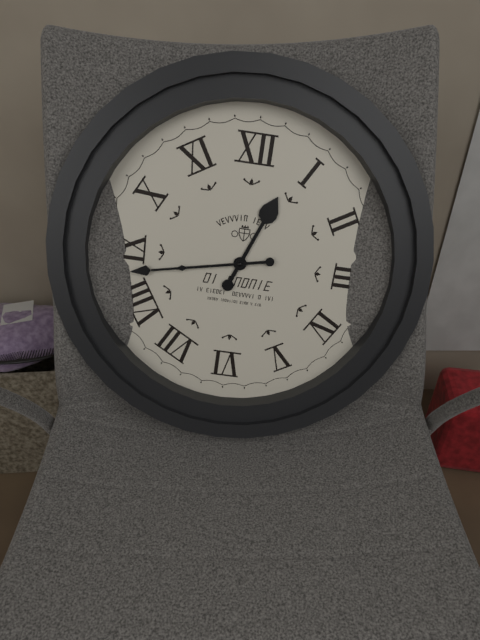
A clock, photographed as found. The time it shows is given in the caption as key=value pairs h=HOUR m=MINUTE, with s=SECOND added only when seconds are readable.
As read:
h=12 m=43
